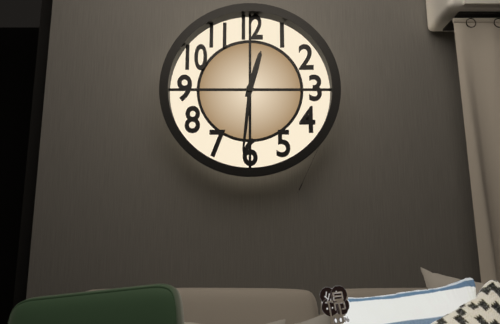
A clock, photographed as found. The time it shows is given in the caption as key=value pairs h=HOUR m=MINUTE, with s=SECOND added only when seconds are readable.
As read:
h=12 m=31
